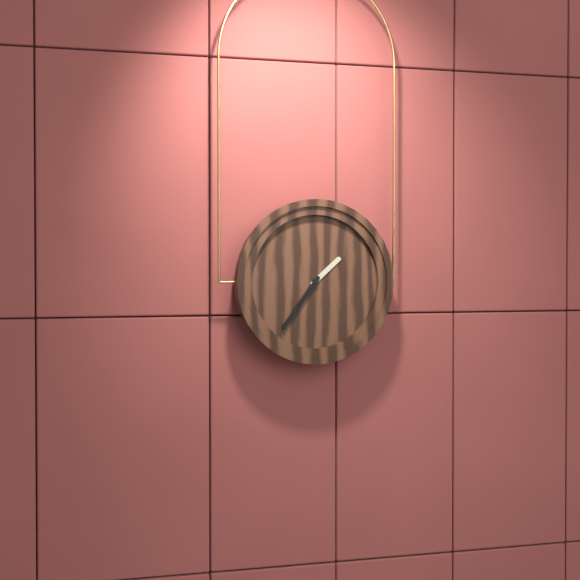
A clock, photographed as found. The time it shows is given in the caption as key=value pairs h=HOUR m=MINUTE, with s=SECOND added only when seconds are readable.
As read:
h=1 m=36
